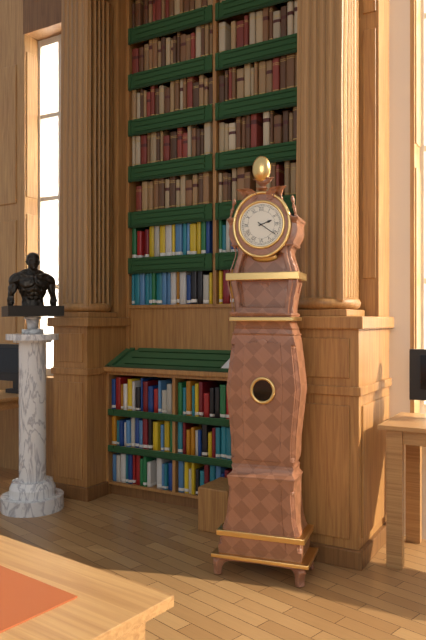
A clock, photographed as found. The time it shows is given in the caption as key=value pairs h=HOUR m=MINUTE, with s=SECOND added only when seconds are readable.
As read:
h=2 m=21
